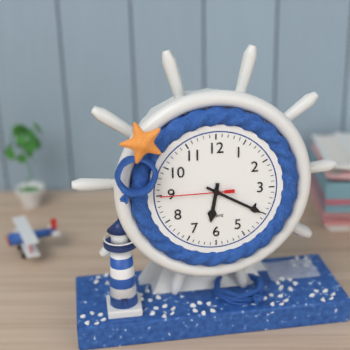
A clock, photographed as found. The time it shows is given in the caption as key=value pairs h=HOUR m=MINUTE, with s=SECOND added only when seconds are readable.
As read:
h=6 m=20 s=45
